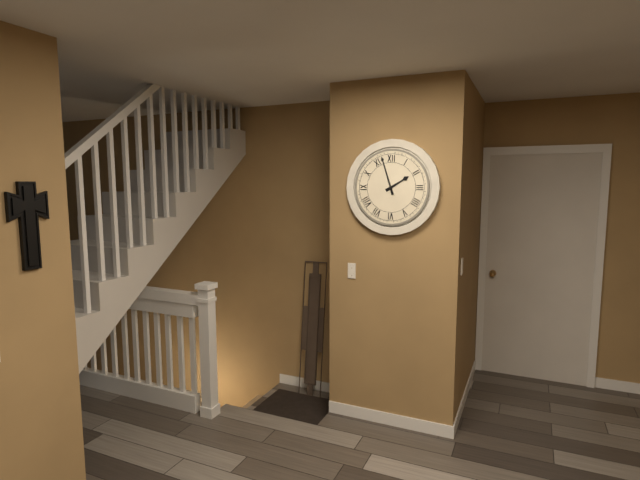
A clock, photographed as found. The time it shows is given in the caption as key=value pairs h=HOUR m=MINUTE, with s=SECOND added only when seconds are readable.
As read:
h=1 m=57
